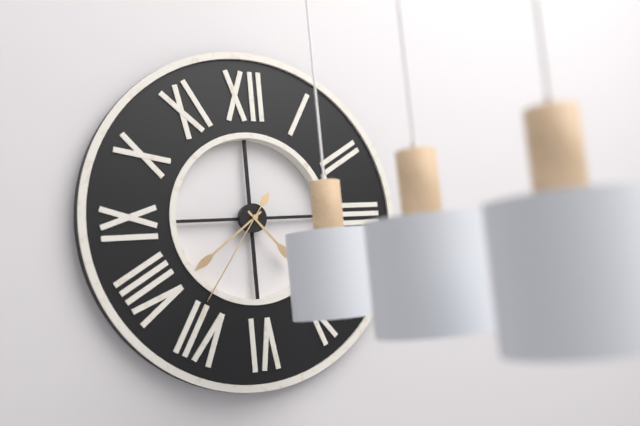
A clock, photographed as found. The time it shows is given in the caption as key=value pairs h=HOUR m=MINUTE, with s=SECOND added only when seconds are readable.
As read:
h=4 m=39 s=36
